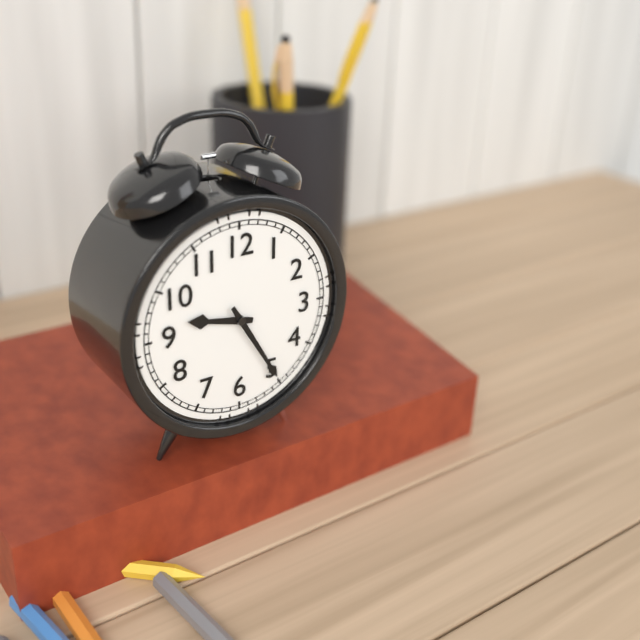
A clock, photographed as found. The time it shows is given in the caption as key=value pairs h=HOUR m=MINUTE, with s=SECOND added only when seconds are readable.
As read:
h=9 m=25
